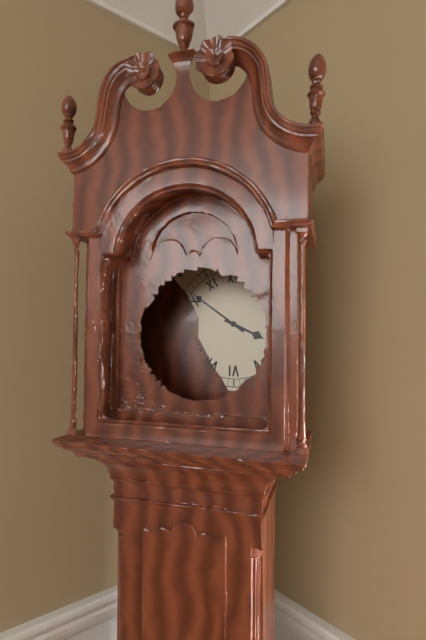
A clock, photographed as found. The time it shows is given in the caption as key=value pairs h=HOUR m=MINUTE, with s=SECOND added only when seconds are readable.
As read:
h=3 m=51
